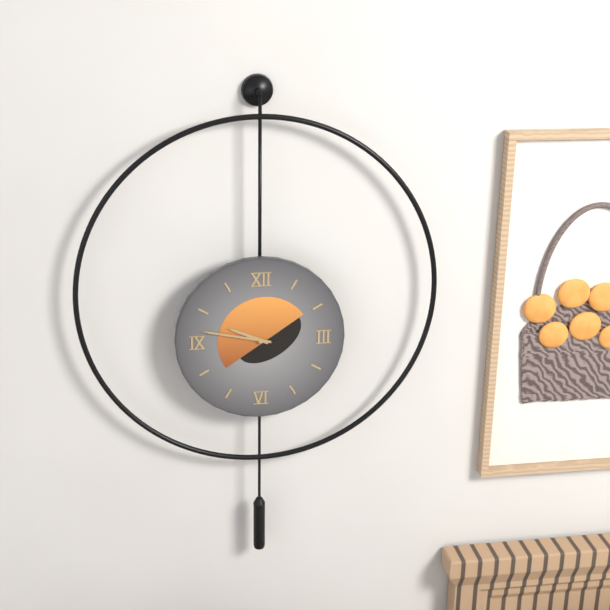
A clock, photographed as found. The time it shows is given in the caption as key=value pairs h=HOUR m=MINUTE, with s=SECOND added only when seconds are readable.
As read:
h=9 m=47
